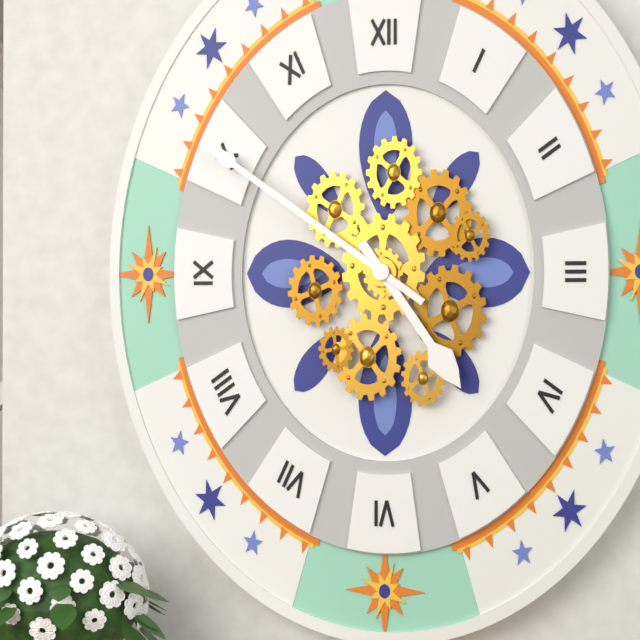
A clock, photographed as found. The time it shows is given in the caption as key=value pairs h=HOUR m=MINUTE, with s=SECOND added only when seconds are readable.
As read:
h=4 m=51
